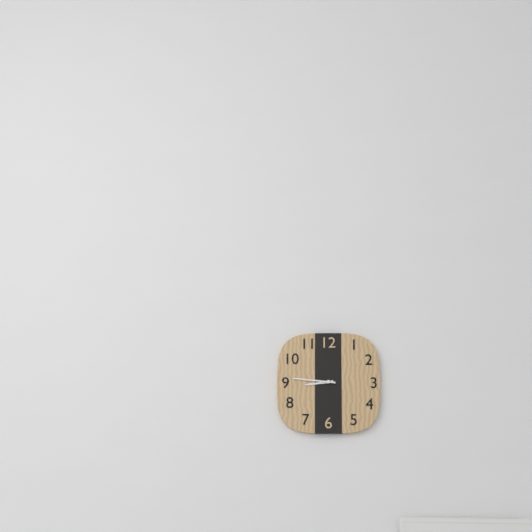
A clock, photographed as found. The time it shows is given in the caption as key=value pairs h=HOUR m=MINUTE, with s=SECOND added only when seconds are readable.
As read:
h=8 m=46
